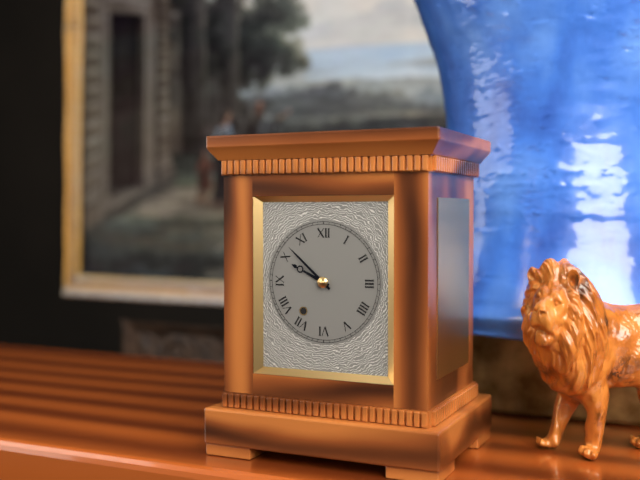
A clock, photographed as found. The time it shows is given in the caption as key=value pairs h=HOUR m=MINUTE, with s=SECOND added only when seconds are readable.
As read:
h=9 m=52
